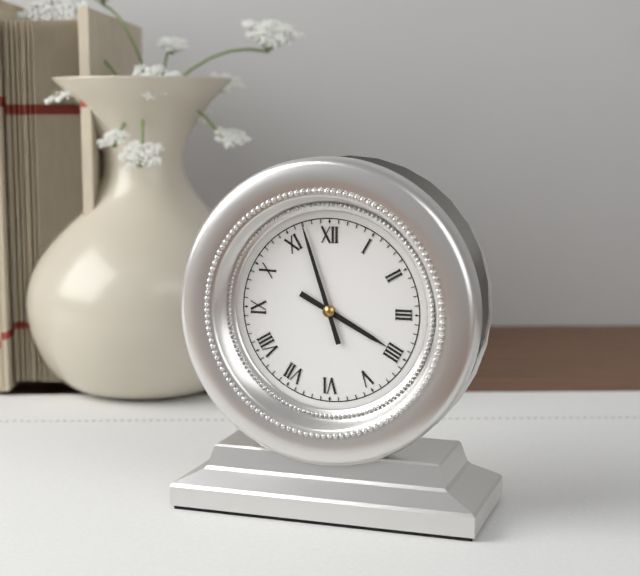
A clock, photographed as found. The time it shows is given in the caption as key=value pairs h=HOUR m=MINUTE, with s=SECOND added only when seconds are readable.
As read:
h=3 m=57
